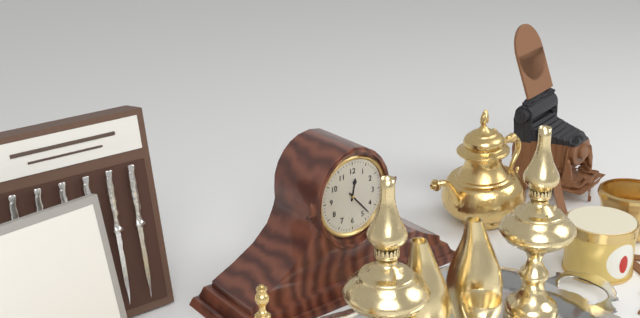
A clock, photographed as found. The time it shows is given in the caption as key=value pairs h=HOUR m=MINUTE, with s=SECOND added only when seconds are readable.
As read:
h=12 m=23
